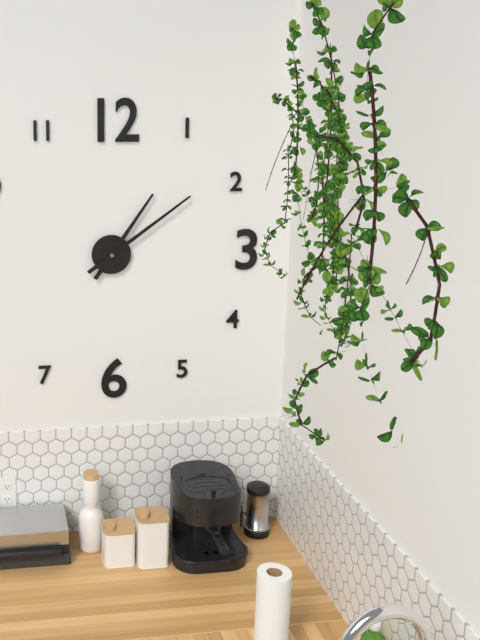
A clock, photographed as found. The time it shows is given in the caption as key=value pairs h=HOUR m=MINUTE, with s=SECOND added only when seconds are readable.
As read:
h=1 m=9
